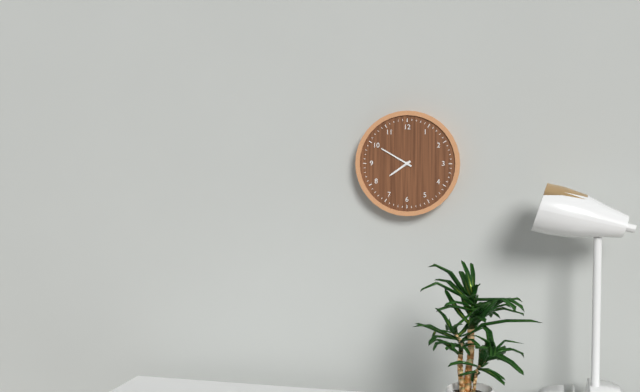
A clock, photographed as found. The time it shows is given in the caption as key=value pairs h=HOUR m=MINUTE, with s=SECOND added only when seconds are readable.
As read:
h=7 m=50
